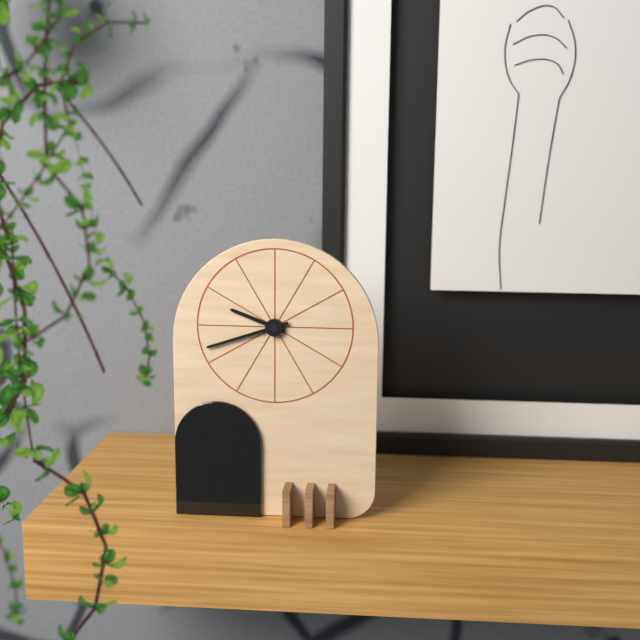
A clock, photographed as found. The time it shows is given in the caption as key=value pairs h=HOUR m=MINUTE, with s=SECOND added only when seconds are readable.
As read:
h=9 m=42
